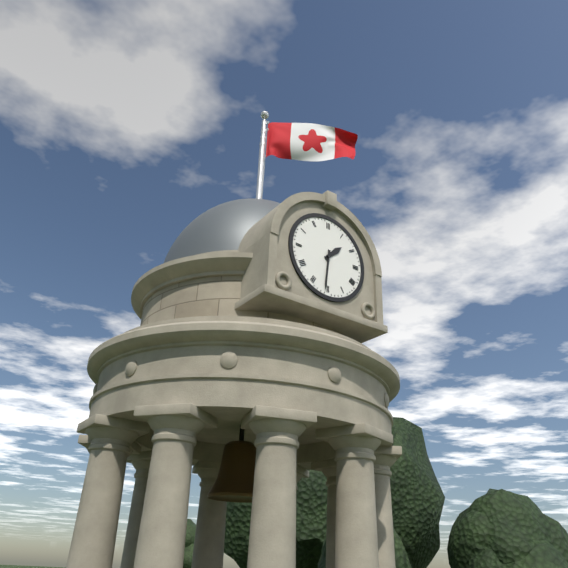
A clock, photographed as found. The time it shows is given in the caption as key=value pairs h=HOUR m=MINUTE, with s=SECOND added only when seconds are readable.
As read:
h=1 m=31
